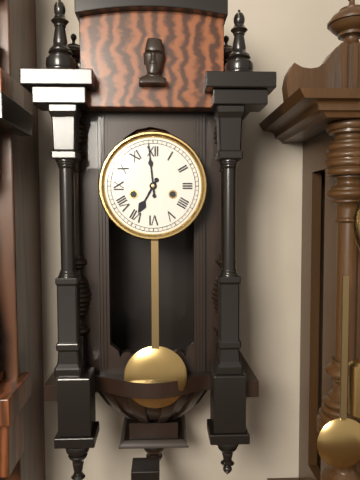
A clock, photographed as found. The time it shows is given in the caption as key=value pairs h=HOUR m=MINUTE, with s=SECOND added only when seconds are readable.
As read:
h=6 m=59
